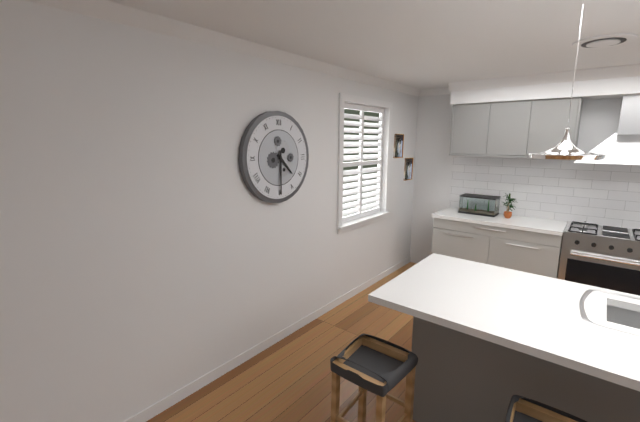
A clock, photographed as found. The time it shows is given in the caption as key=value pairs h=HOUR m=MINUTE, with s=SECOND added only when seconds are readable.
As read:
h=4 m=30
